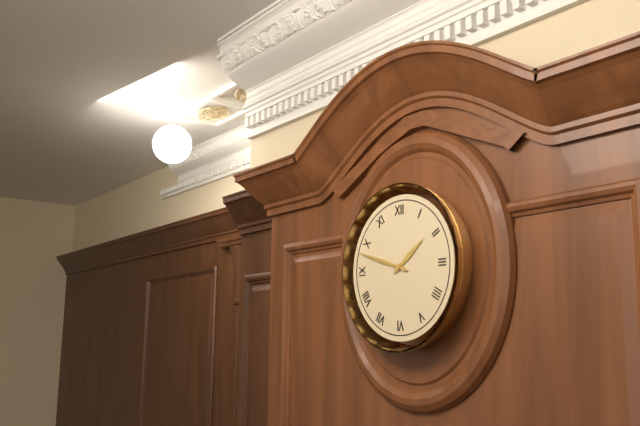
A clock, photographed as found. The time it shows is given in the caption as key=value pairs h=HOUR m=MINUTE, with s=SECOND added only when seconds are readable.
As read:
h=1 m=48
